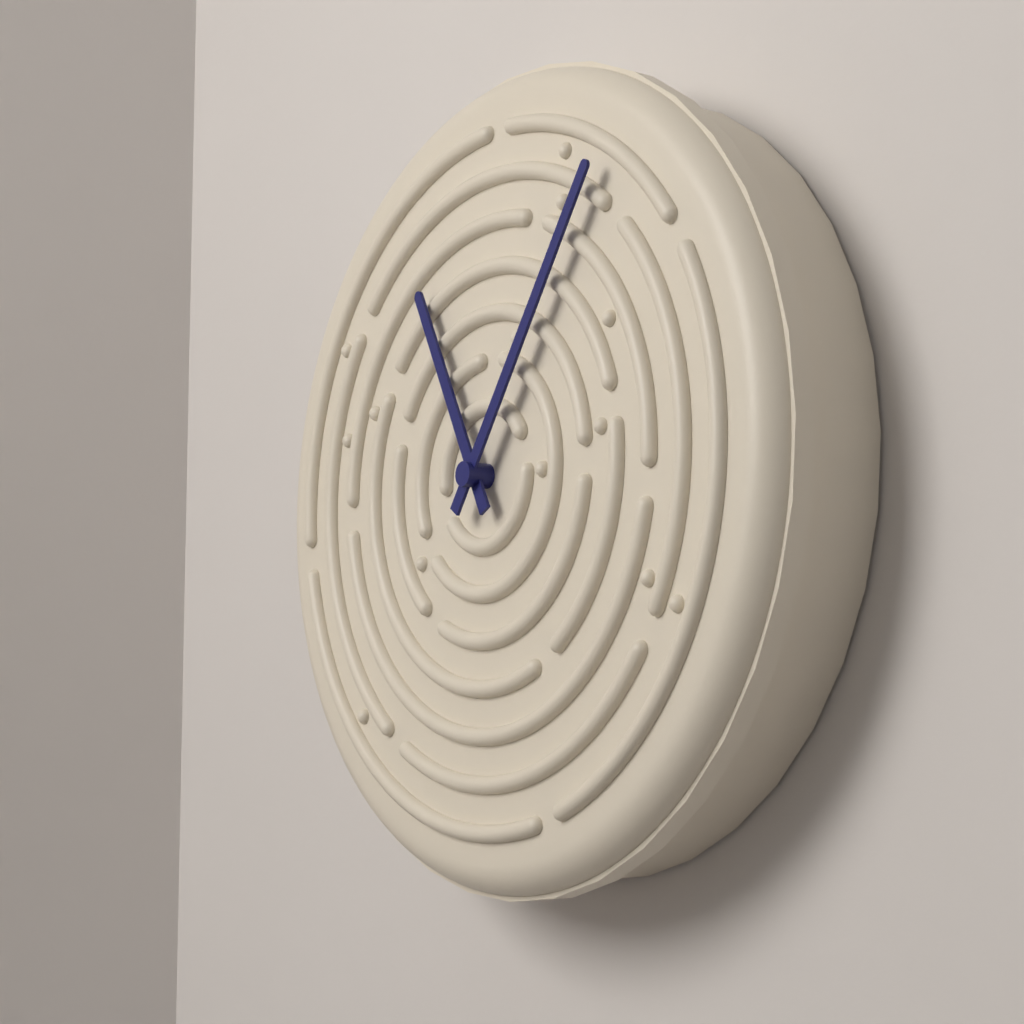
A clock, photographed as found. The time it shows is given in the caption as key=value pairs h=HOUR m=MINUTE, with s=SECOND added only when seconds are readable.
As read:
h=11 m=6
